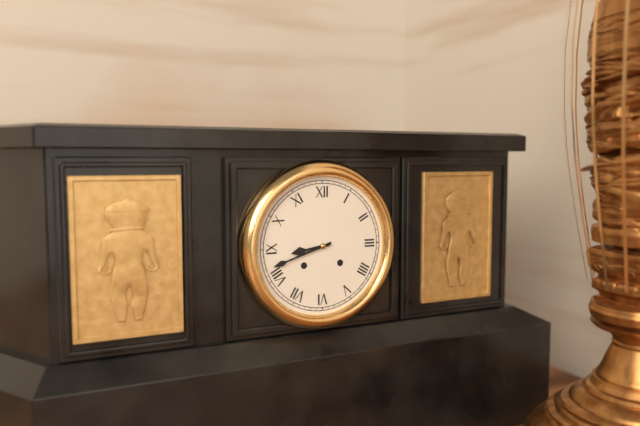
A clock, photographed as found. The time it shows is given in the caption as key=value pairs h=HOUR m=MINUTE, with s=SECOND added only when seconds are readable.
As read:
h=8 m=42
